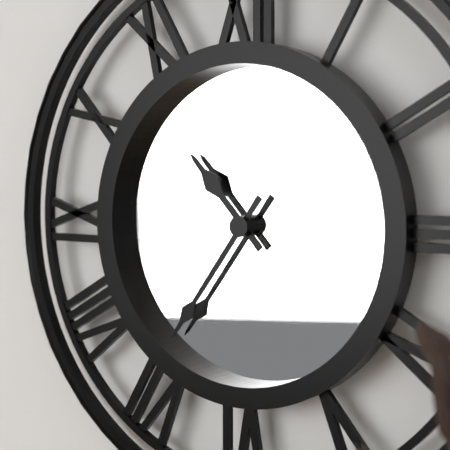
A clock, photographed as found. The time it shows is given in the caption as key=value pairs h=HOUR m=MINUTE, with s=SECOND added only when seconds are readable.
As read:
h=10 m=36
